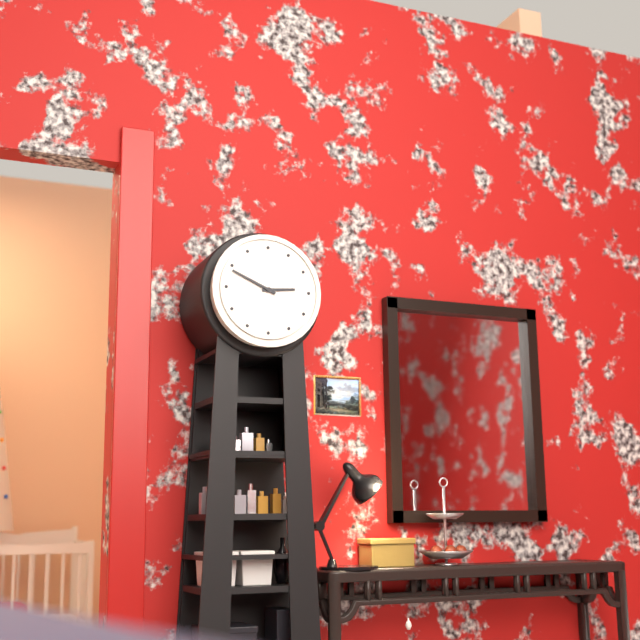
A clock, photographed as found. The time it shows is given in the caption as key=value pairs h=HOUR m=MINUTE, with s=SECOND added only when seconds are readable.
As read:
h=2 m=49
